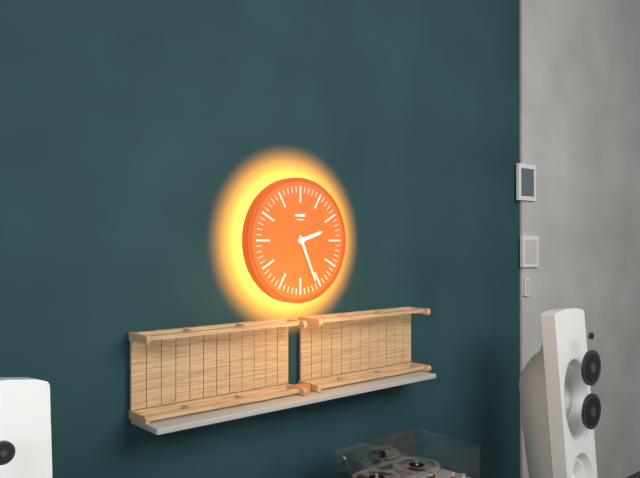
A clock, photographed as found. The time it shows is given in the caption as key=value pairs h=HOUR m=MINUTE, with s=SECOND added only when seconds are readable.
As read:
h=2 m=26
